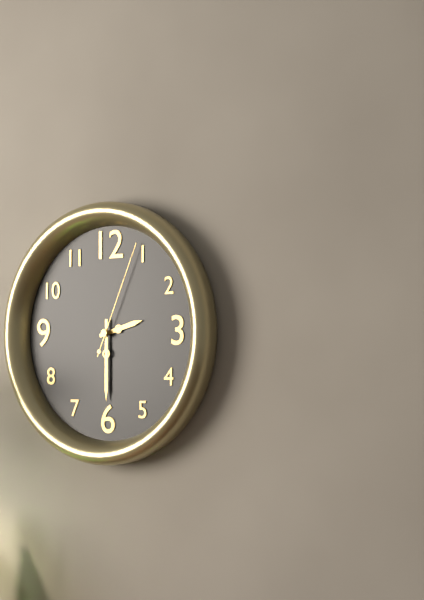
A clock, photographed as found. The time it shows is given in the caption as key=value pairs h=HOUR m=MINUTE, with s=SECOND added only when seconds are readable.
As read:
h=2 m=30 s=4
